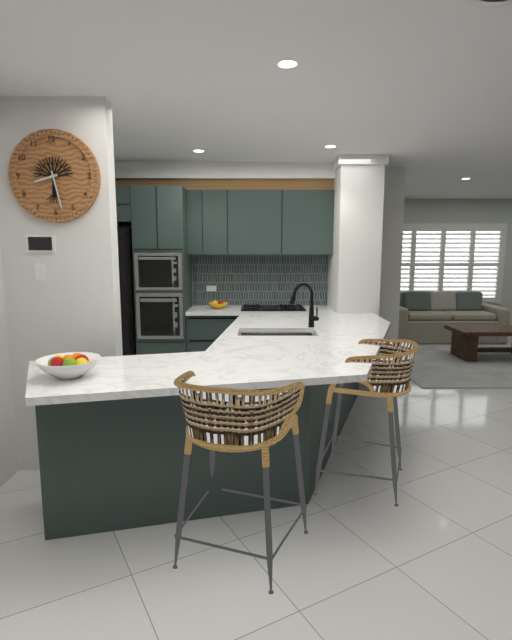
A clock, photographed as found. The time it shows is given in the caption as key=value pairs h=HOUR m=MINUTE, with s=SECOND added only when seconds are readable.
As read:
h=8 m=28
